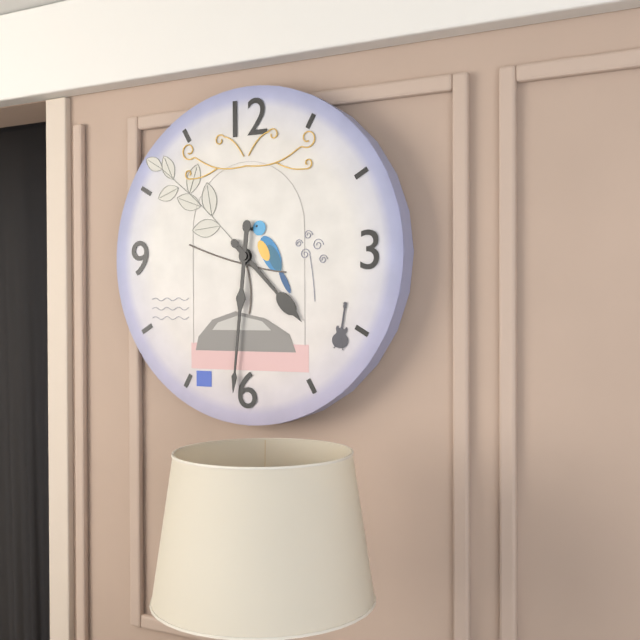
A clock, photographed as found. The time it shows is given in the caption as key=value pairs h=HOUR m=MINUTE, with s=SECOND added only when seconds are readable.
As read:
h=4 m=31
